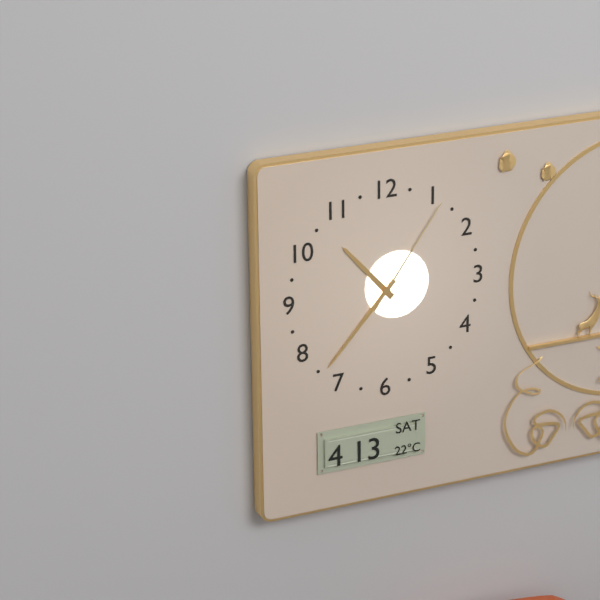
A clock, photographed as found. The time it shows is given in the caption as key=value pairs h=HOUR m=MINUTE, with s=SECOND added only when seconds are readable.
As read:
h=10 m=37 s=6
